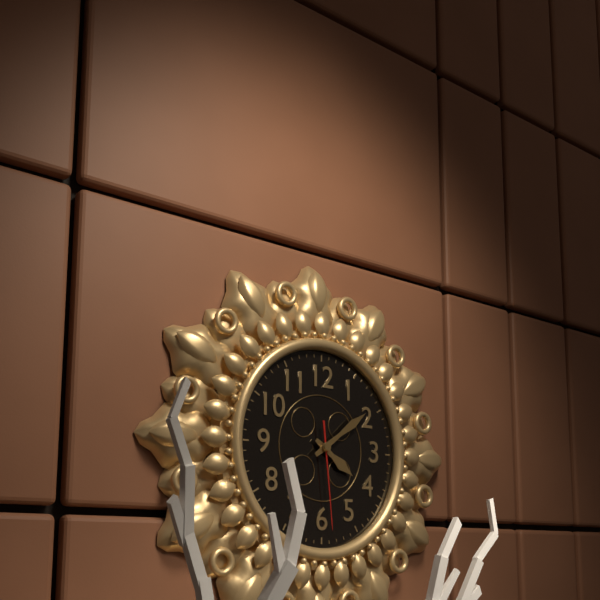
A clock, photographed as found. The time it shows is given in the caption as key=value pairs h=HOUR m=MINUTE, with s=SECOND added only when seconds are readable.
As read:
h=4 m=9 s=29
